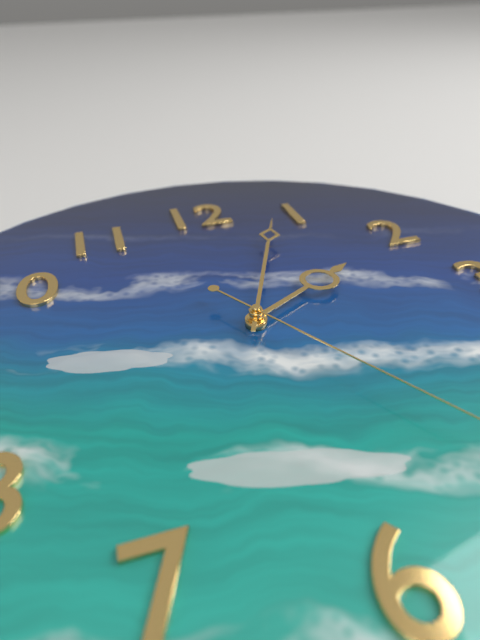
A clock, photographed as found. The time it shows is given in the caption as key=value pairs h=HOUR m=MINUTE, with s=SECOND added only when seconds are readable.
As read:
h=2 m=4
